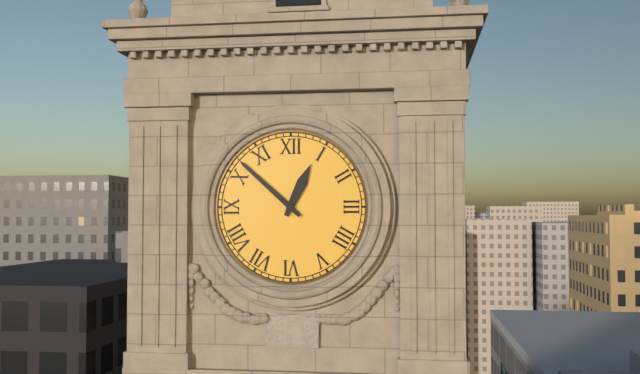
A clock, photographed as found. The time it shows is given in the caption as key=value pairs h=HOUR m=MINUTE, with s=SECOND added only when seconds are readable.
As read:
h=12 m=52
